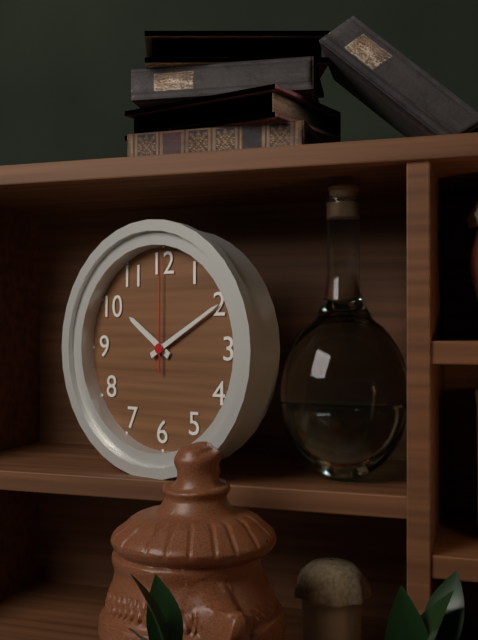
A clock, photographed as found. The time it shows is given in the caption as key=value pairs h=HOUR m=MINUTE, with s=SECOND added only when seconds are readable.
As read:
h=10 m=10 s=0
